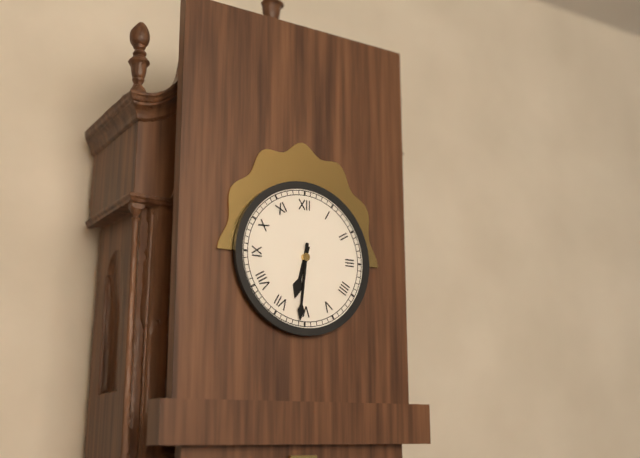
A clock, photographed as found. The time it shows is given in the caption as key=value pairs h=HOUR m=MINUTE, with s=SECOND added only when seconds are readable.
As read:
h=6 m=31
